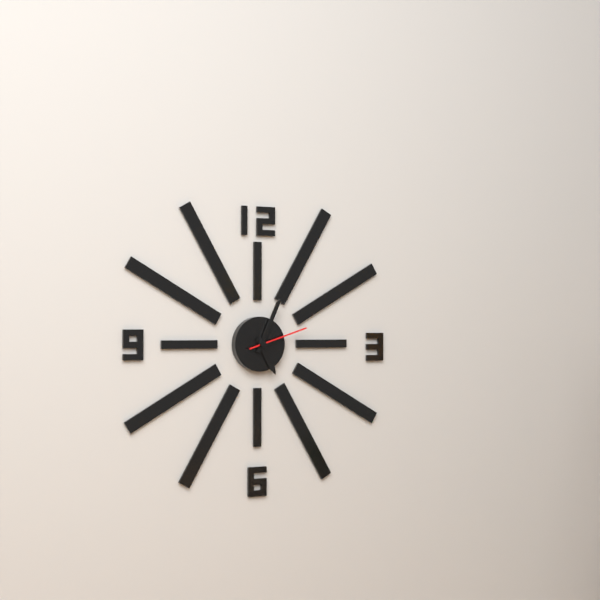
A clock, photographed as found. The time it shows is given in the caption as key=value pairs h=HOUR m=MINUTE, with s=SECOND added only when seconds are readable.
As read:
h=5 m=4 s=12
